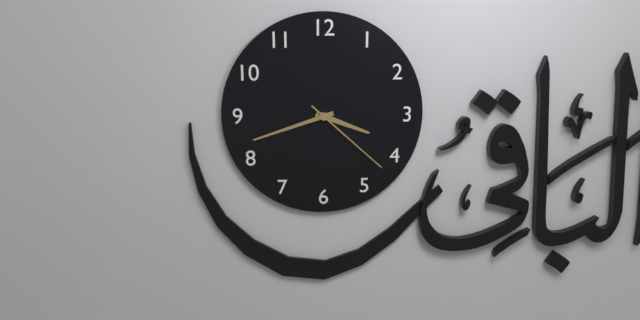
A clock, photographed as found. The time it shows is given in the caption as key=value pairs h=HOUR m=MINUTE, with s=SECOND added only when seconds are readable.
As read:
h=3 m=42 s=22
